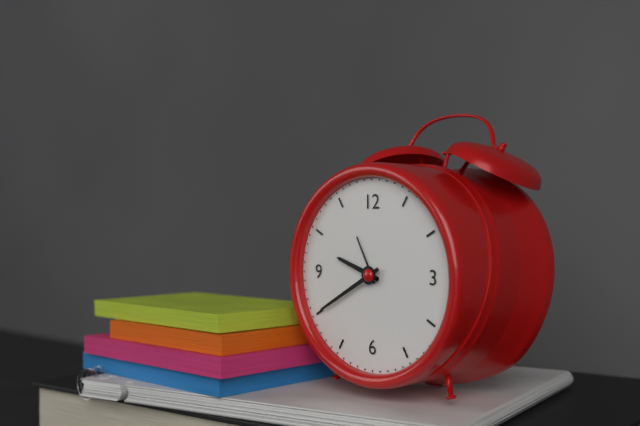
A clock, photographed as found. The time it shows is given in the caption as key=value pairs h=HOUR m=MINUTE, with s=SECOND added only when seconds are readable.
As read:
h=9 m=40
